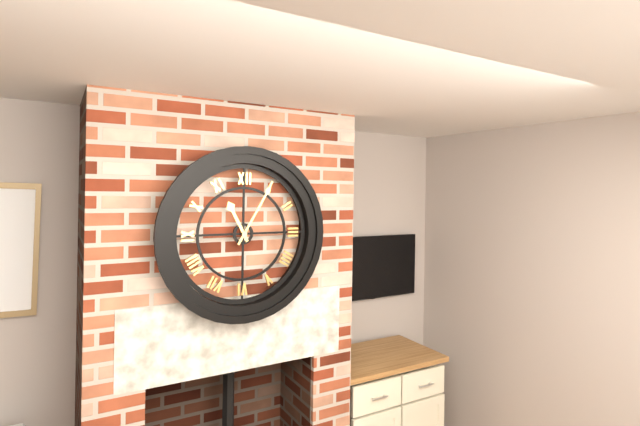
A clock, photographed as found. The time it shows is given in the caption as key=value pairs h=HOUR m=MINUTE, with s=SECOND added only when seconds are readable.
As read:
h=11 m=5
